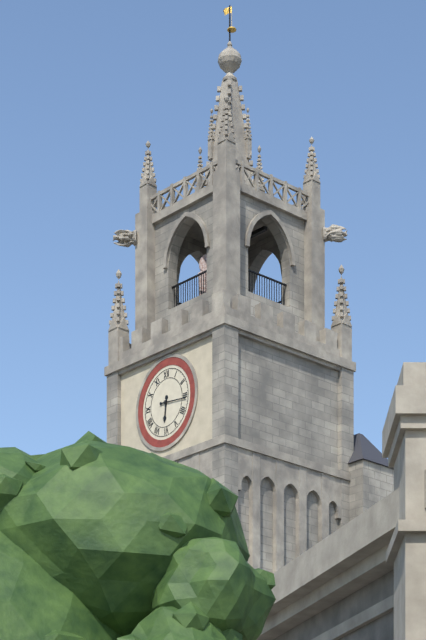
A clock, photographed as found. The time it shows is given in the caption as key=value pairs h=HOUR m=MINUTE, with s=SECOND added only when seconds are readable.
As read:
h=6 m=16
